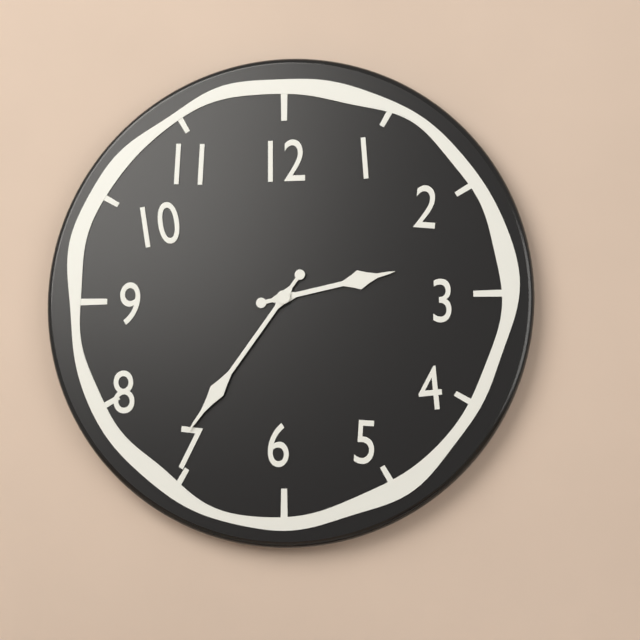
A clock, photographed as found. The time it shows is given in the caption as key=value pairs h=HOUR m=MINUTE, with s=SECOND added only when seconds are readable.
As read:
h=2 m=36
